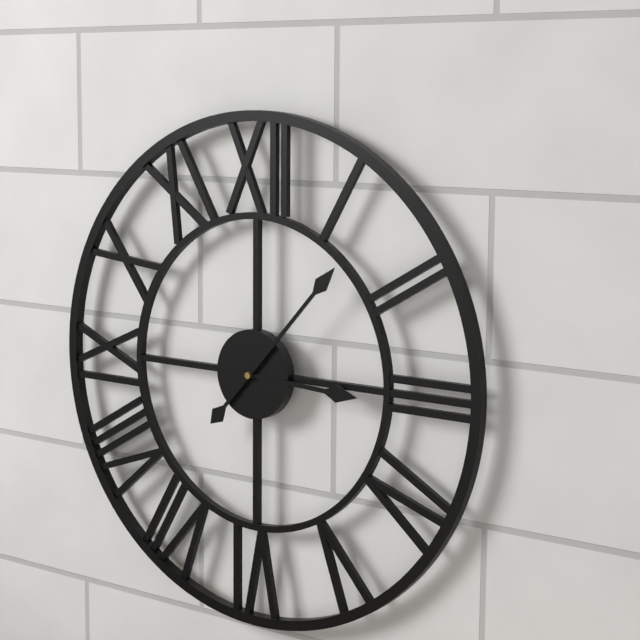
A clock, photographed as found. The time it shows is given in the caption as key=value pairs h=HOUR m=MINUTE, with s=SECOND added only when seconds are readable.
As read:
h=3 m=7
